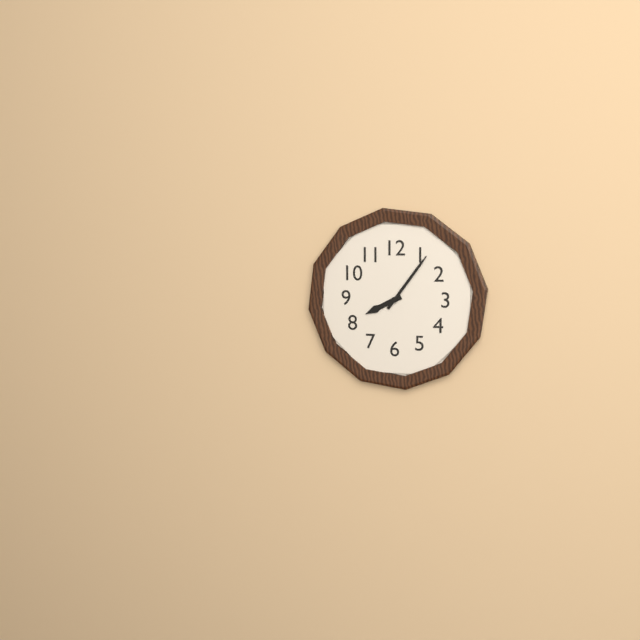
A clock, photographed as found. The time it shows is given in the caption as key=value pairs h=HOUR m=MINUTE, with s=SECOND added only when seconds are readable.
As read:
h=8 m=6
